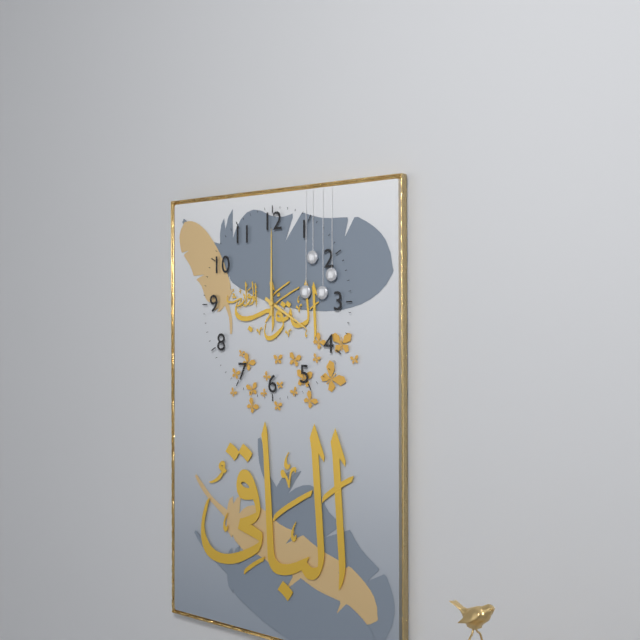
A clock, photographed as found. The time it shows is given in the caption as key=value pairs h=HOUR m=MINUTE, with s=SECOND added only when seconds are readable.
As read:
h=4 m=0
